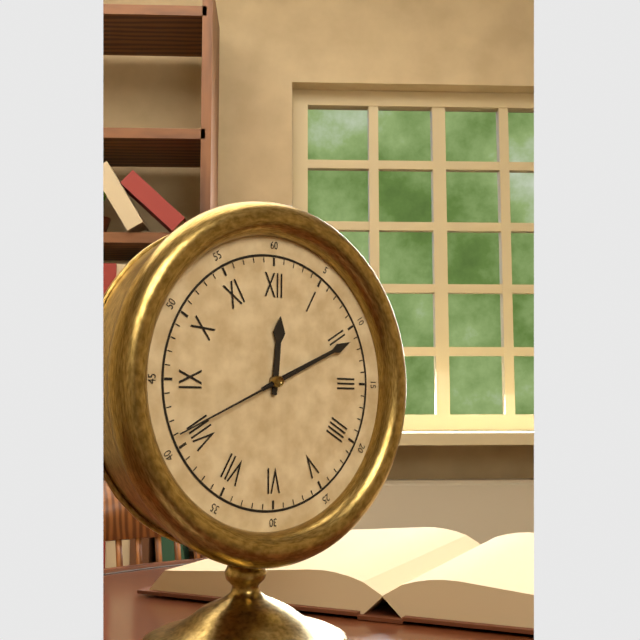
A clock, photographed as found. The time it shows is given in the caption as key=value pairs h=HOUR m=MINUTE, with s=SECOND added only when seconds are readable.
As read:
h=12 m=11 s=41
